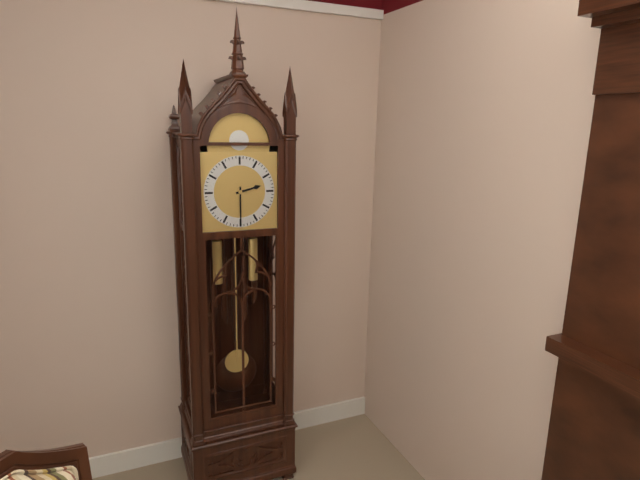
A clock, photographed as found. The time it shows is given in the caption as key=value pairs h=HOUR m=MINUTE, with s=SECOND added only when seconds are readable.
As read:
h=2 m=30
